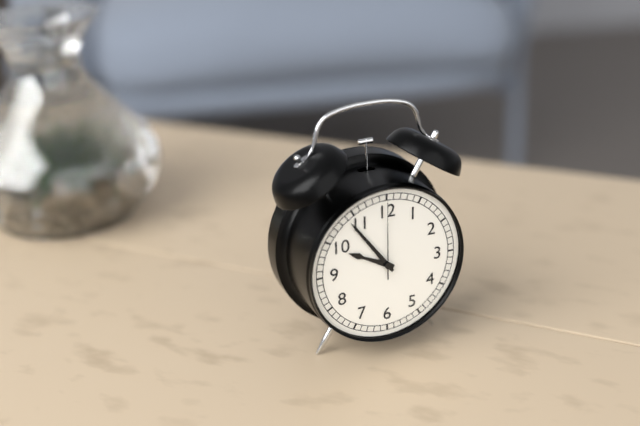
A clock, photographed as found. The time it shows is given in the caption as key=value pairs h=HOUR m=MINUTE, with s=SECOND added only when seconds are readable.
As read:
h=9 m=54 s=0
